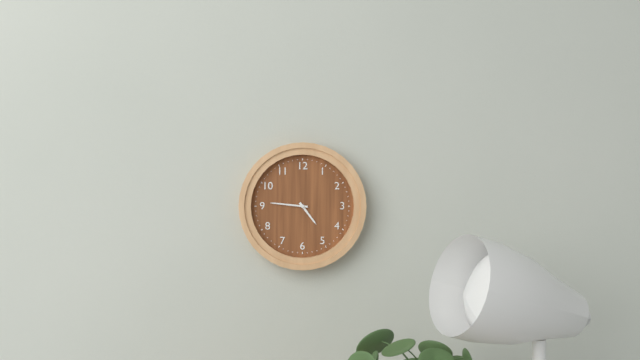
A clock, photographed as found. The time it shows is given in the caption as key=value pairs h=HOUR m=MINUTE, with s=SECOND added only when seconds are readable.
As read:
h=4 m=46
